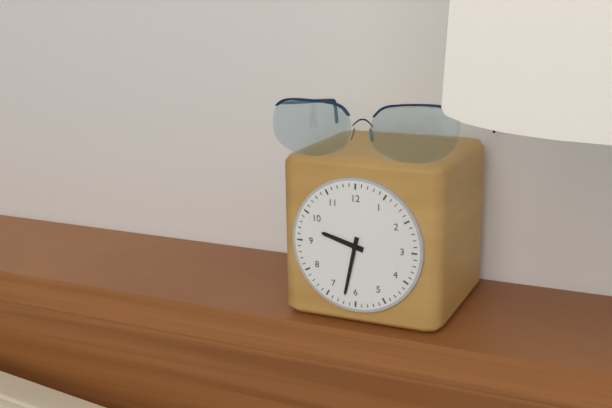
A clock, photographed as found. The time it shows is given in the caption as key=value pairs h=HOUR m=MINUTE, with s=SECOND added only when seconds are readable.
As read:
h=9 m=32
